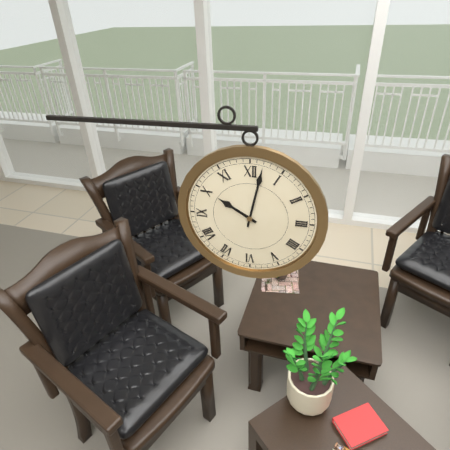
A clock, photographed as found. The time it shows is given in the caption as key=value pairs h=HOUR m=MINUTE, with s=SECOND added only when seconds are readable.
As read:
h=10 m=2
